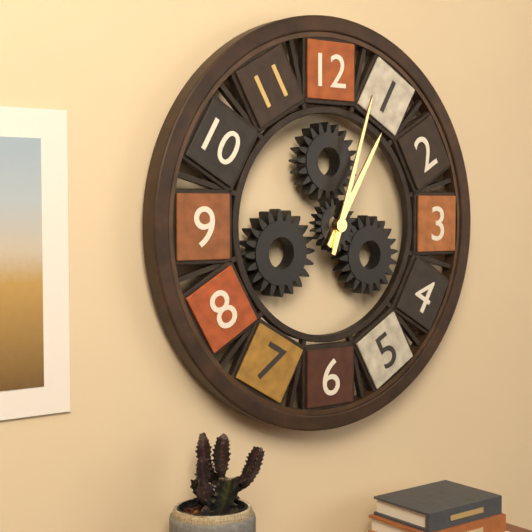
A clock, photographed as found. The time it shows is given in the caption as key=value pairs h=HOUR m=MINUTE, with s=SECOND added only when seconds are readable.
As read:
h=1 m=3
